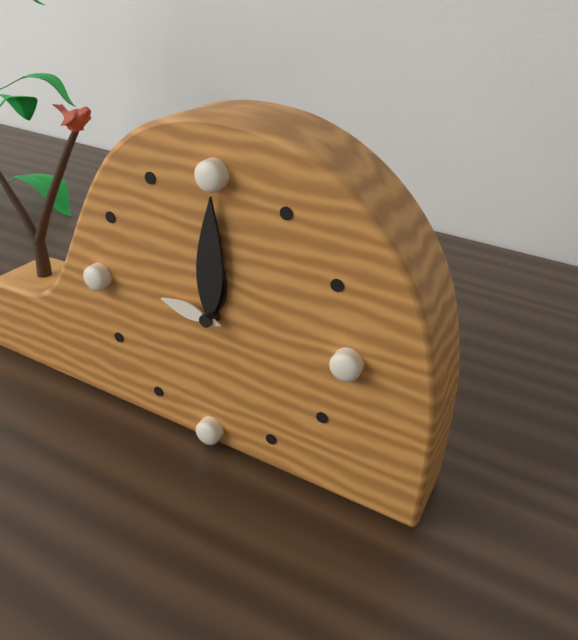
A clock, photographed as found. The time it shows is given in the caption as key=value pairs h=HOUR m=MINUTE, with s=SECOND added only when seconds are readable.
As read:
h=12 m=0 s=46
